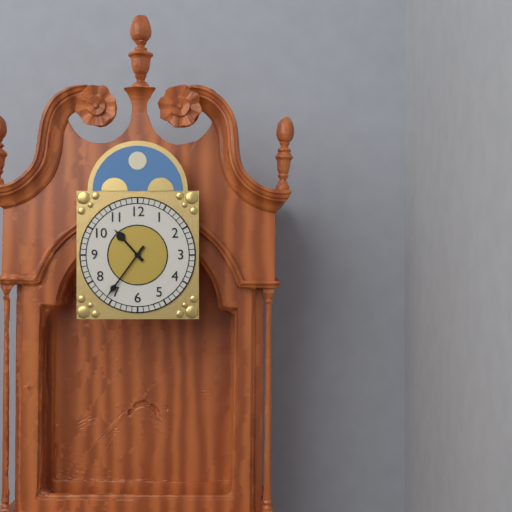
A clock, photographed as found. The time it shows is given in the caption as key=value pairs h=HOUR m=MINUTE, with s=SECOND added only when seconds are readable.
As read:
h=10 m=36
